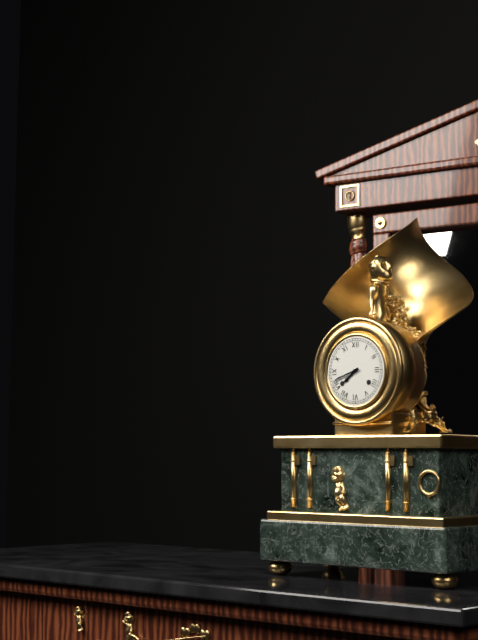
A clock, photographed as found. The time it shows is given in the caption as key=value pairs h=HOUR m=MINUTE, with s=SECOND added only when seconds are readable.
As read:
h=7 m=42
